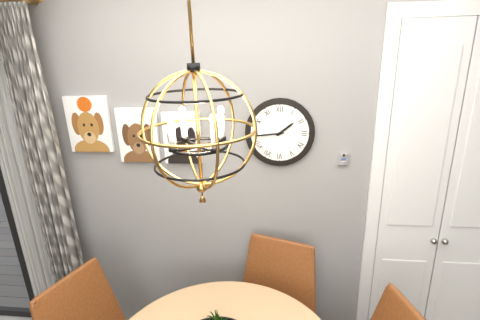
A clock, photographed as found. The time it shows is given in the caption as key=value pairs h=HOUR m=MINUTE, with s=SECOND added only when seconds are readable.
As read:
h=1 m=44
